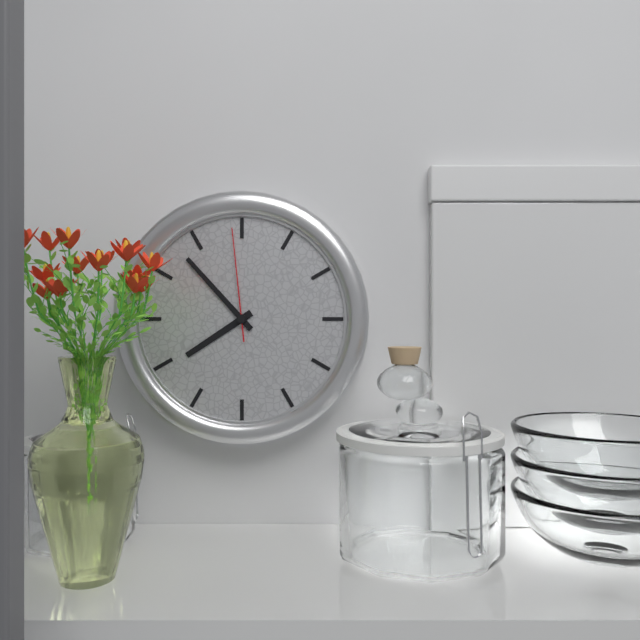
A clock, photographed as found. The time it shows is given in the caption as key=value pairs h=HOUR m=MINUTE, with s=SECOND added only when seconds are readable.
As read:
h=7 m=53 s=59
